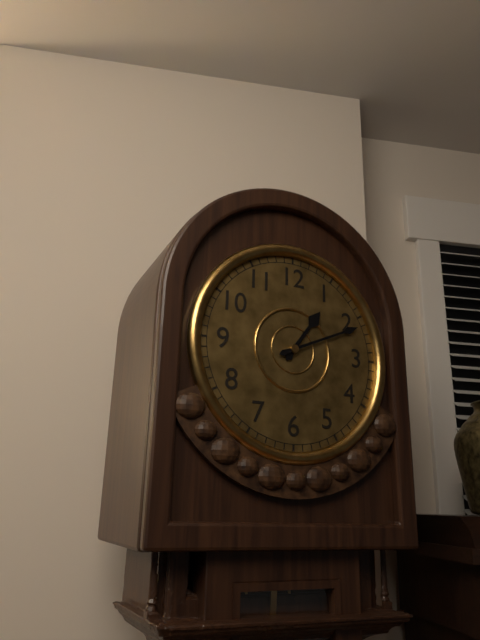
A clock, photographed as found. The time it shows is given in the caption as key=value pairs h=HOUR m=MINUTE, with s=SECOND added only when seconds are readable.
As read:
h=1 m=11
